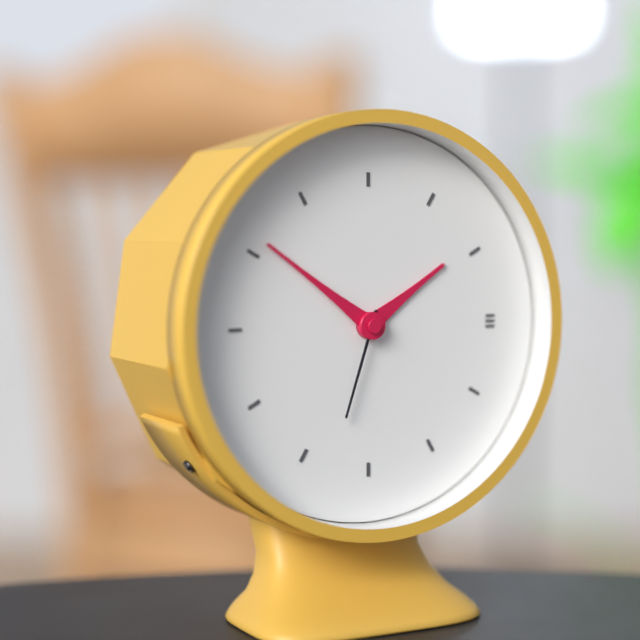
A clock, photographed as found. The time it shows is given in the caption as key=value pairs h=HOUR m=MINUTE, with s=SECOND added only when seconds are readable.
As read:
h=1 m=51 s=33
